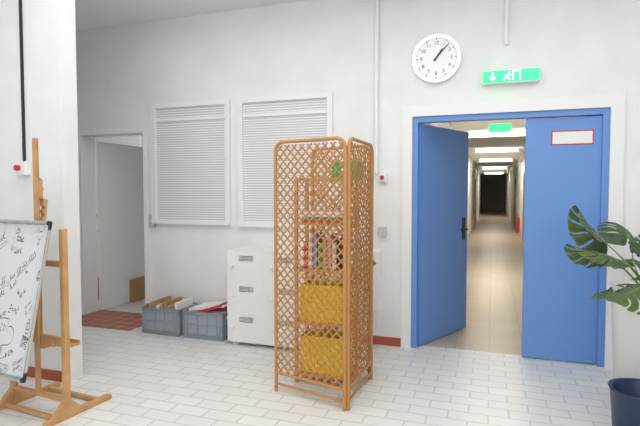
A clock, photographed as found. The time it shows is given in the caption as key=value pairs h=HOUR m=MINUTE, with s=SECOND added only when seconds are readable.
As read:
h=1 m=7
